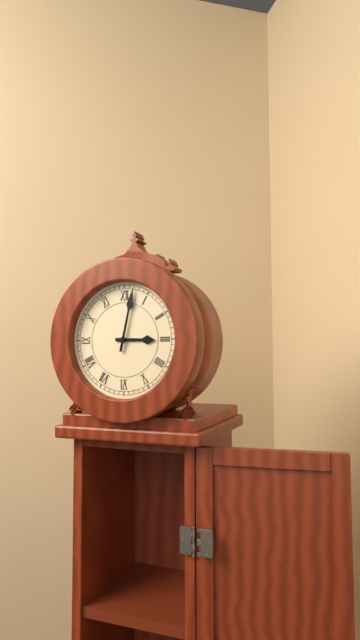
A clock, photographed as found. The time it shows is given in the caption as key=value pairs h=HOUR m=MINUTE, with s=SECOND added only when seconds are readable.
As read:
h=3 m=2
